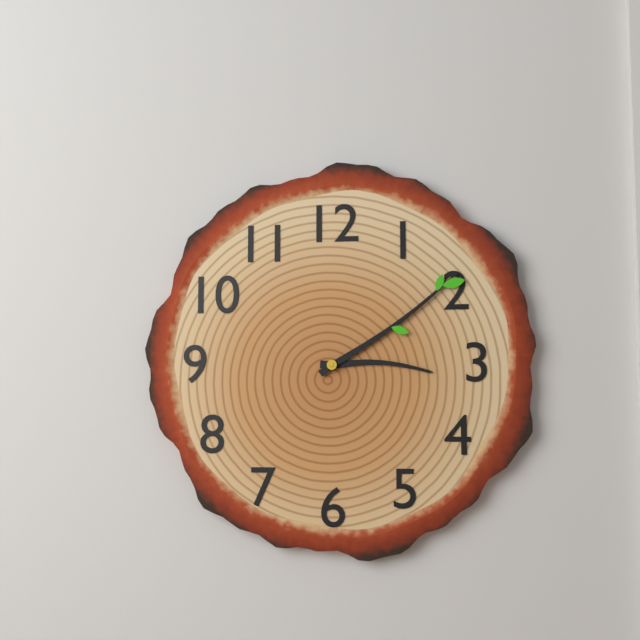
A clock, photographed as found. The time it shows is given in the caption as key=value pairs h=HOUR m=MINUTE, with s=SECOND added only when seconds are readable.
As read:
h=3 m=9
